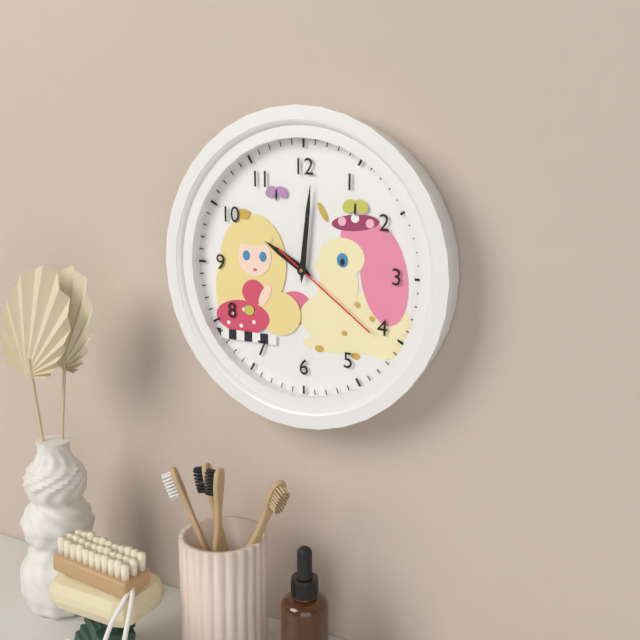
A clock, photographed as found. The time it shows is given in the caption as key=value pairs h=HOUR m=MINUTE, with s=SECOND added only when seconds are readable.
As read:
h=10 m=1 s=21
